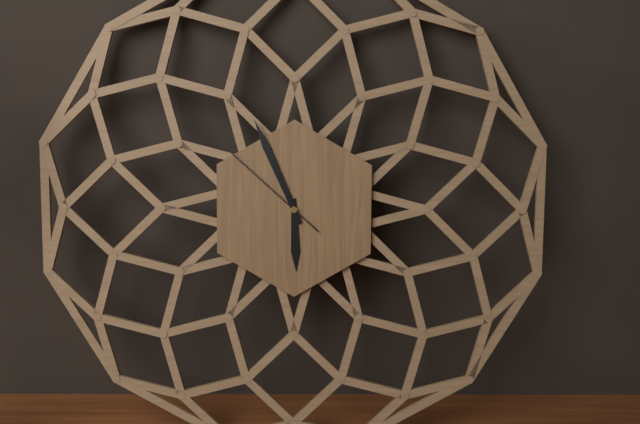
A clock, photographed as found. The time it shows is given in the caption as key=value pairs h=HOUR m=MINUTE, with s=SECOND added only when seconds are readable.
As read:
h=5 m=56 s=52
